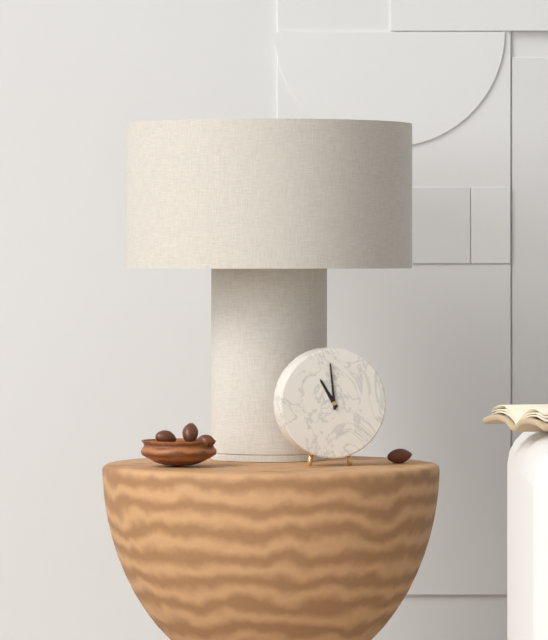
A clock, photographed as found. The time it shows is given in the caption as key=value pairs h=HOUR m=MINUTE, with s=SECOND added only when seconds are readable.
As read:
h=10 m=59
